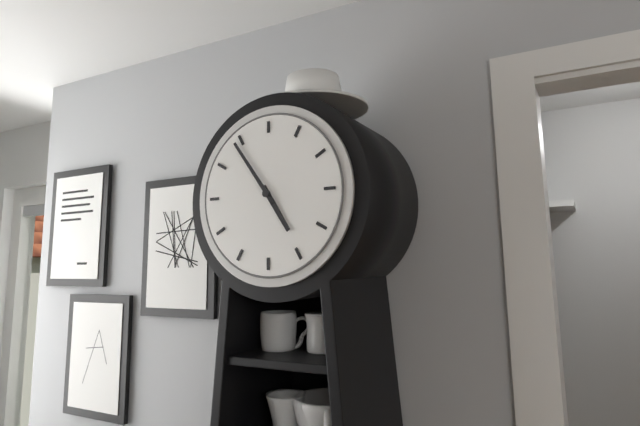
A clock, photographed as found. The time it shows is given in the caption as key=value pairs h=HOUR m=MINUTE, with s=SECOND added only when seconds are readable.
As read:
h=4 m=54
